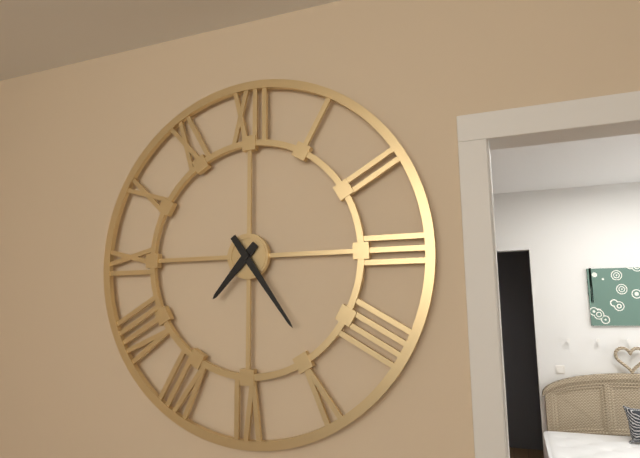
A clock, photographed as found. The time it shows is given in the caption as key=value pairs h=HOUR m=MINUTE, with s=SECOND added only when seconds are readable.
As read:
h=7 m=24
